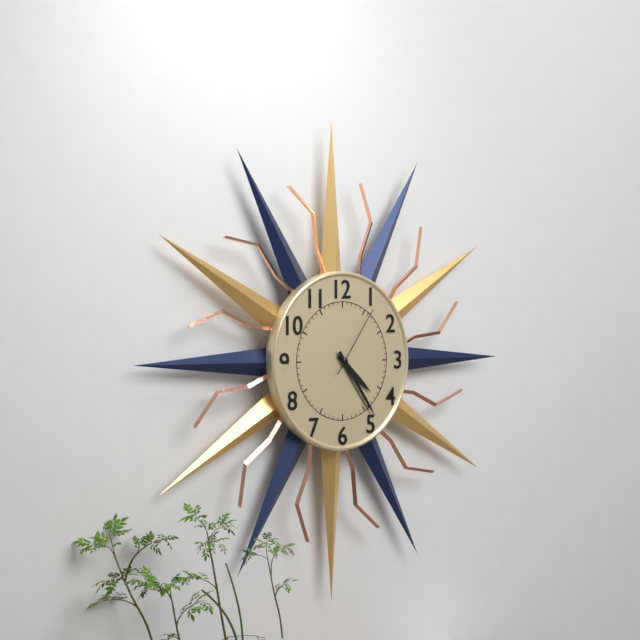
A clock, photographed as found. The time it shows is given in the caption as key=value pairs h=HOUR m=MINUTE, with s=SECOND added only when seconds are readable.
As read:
h=4 m=24 s=6
